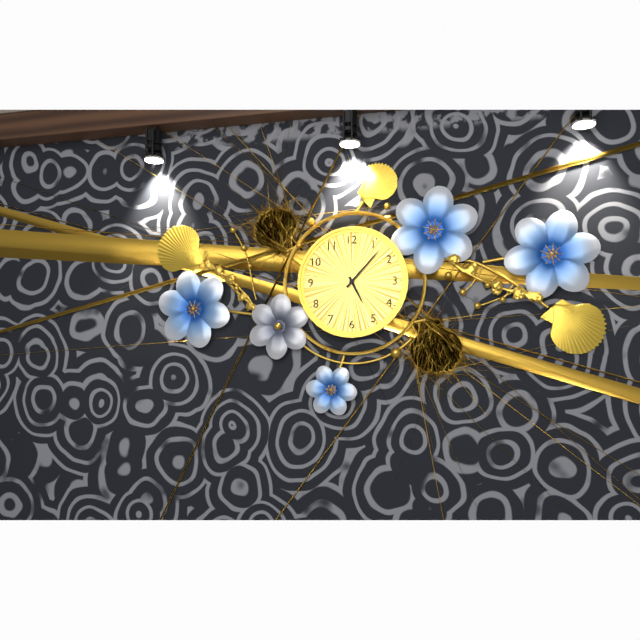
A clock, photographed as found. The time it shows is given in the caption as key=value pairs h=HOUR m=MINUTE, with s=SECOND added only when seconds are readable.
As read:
h=5 m=7
